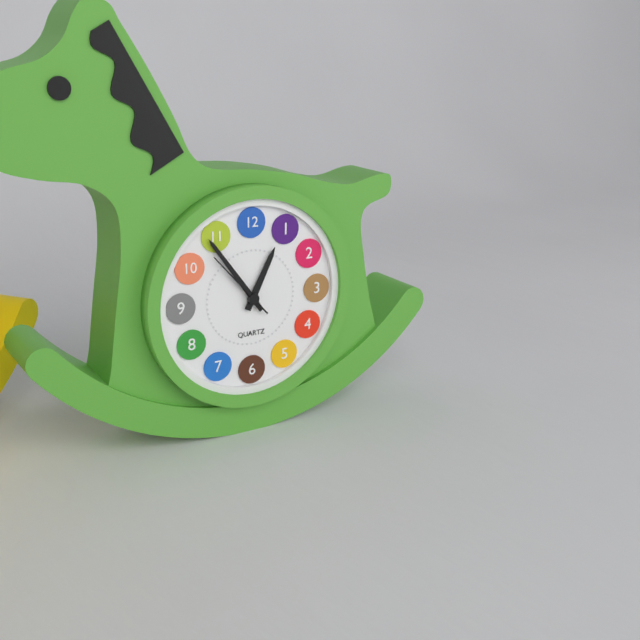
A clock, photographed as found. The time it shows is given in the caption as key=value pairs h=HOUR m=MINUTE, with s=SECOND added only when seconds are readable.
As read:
h=12 m=54 s=53
